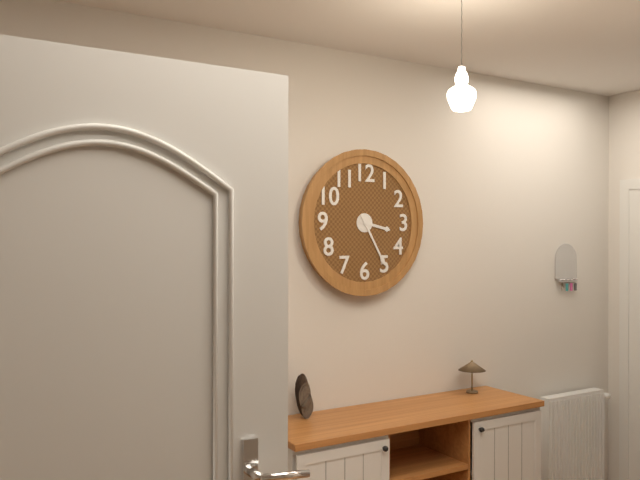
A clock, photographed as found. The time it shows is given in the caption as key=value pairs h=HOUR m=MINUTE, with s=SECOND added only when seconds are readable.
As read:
h=3 m=25
